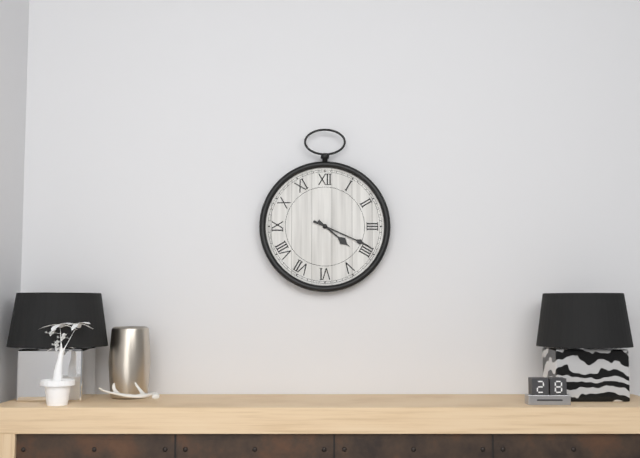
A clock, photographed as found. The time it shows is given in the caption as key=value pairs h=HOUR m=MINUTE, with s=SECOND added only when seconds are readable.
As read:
h=4 m=19
